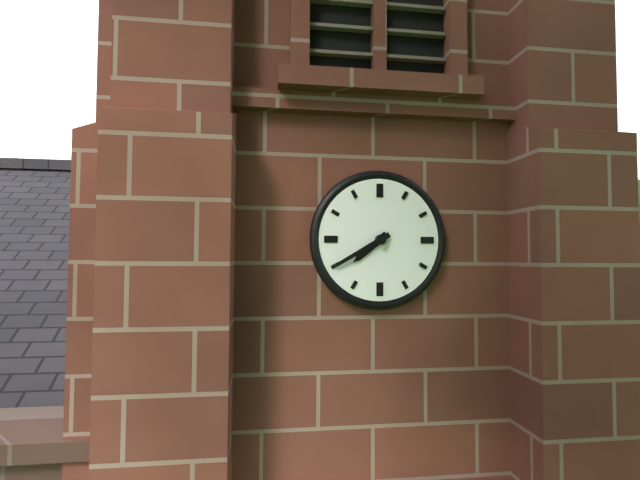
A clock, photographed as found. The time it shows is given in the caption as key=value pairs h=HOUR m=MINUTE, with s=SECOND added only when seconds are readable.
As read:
h=7 m=40
